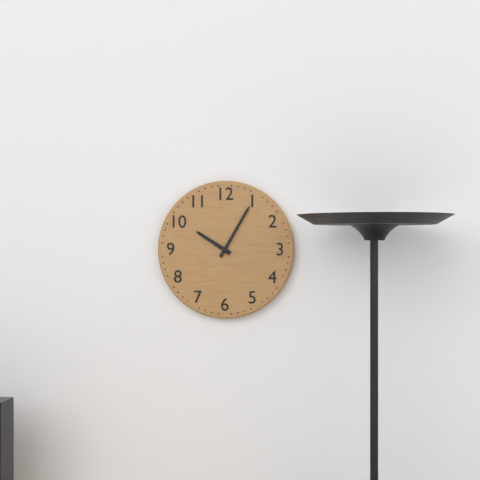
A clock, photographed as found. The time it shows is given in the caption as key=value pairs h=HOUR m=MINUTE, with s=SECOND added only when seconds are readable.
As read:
h=10 m=5
